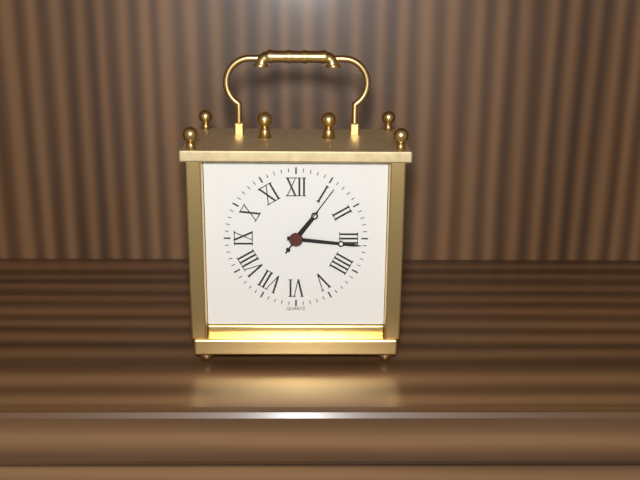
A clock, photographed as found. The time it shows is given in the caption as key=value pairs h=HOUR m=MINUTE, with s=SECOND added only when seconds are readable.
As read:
h=1 m=16 s=6
